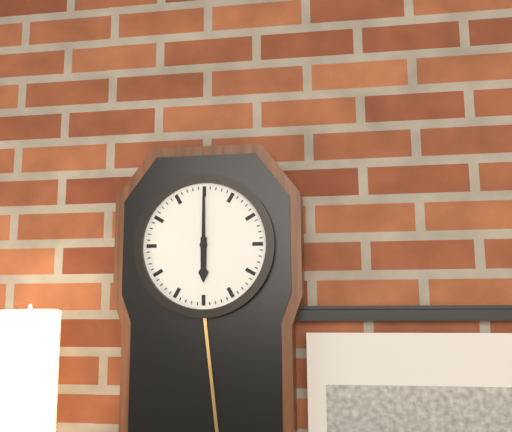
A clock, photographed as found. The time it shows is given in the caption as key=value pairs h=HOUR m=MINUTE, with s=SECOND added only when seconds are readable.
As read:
h=6 m=0
